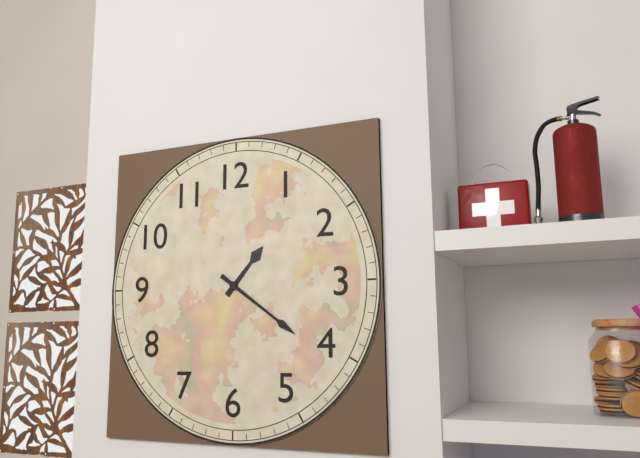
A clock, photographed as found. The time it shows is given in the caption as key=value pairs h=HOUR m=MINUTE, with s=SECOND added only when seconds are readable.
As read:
h=1 m=21
